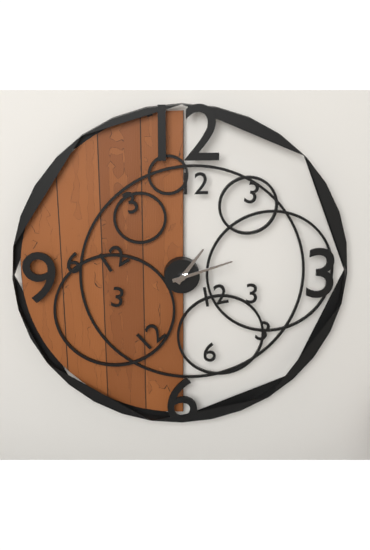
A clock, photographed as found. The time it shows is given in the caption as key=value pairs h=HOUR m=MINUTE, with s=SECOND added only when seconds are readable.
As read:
h=1 m=12
